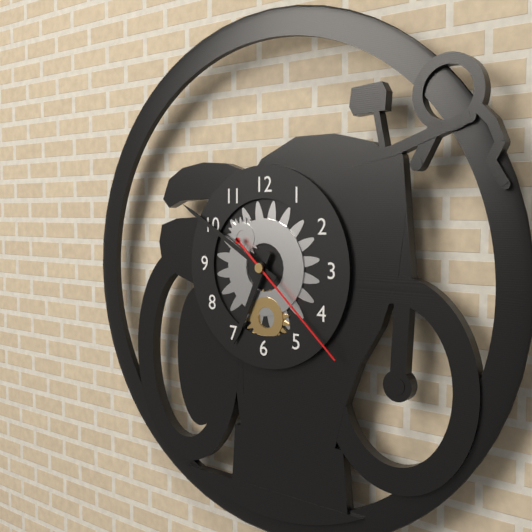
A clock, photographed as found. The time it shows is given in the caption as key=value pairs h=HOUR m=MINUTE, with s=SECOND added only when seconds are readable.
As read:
h=6 m=50 s=22
